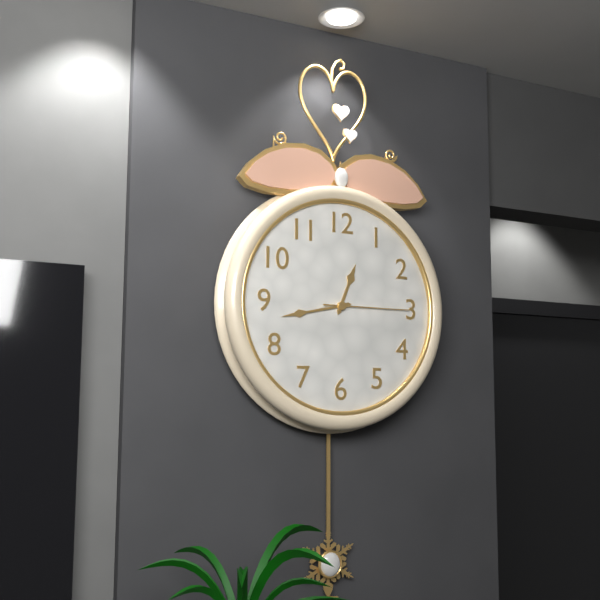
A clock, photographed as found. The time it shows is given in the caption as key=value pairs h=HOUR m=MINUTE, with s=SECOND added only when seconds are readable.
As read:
h=12 m=43 s=15
